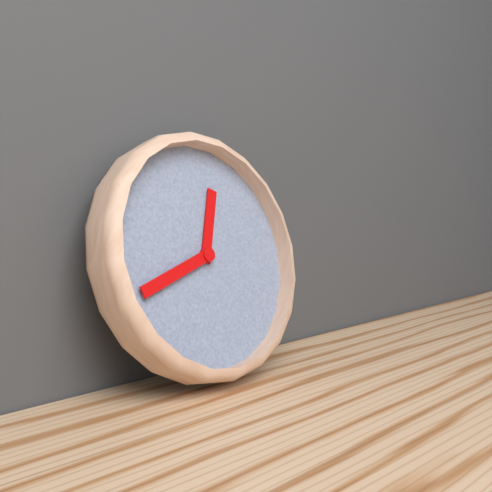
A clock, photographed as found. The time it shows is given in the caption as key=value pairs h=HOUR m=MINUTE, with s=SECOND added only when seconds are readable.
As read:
h=12 m=42
